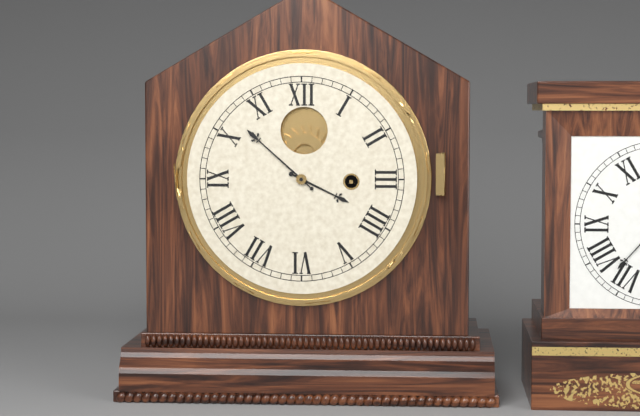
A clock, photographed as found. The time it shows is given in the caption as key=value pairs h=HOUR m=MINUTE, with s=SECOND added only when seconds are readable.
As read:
h=3 m=52
